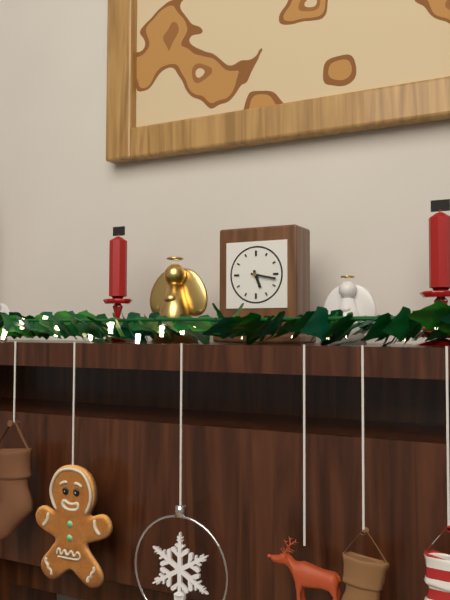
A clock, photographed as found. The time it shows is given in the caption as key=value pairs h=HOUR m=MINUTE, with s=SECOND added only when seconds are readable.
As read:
h=5 m=17
